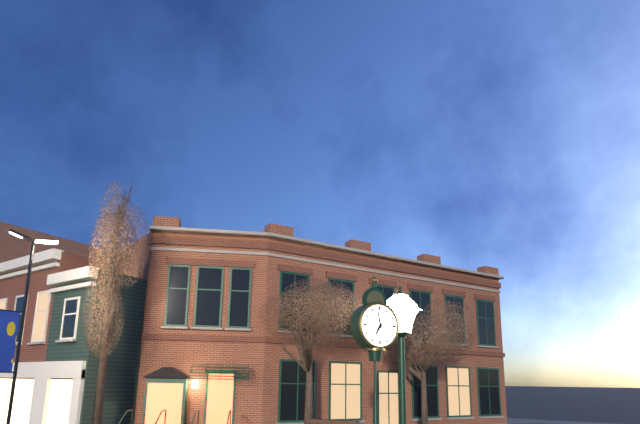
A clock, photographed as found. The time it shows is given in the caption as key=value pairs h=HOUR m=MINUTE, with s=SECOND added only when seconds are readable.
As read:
h=6 m=58
